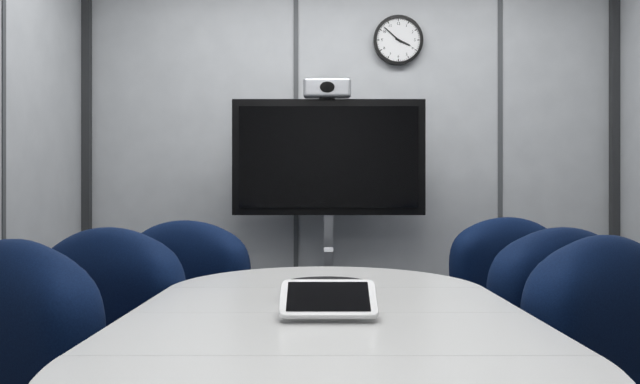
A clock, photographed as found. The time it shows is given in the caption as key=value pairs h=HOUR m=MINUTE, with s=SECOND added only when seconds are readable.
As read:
h=3 m=52
